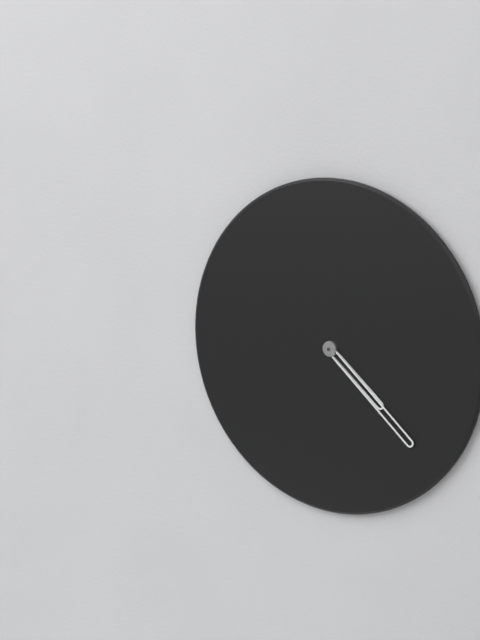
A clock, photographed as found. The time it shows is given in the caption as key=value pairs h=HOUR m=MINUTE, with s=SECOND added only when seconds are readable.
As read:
h=4 m=22
